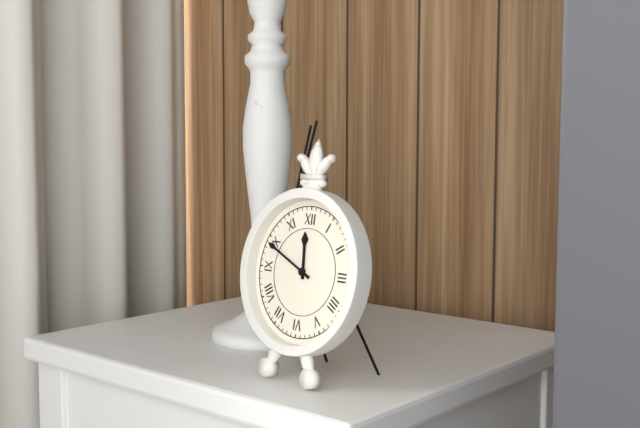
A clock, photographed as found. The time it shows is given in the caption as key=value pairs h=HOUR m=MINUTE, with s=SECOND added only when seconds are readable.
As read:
h=11 m=49
